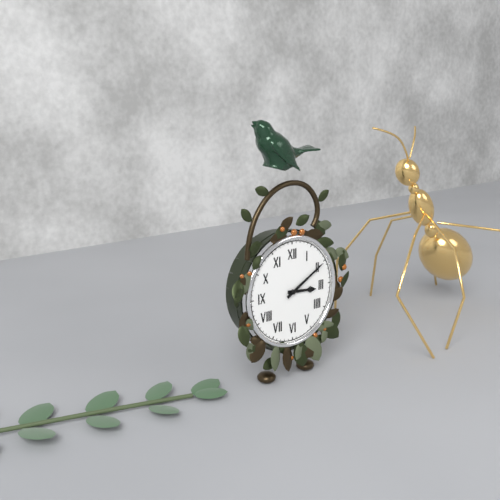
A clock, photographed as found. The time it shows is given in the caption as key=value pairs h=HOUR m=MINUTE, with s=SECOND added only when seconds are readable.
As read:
h=3 m=10
